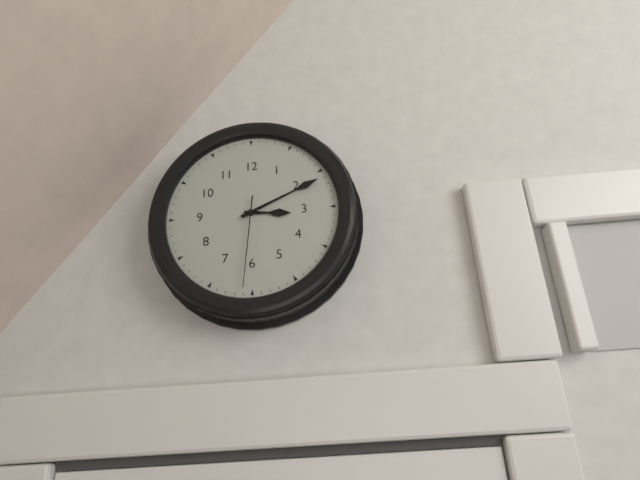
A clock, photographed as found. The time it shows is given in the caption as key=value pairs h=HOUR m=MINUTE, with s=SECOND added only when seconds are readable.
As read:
h=3 m=11 s=31
